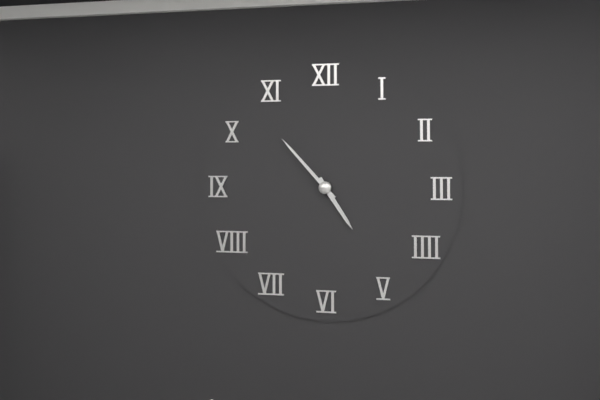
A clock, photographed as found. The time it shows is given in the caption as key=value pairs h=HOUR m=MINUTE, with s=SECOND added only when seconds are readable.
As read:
h=4 m=53
